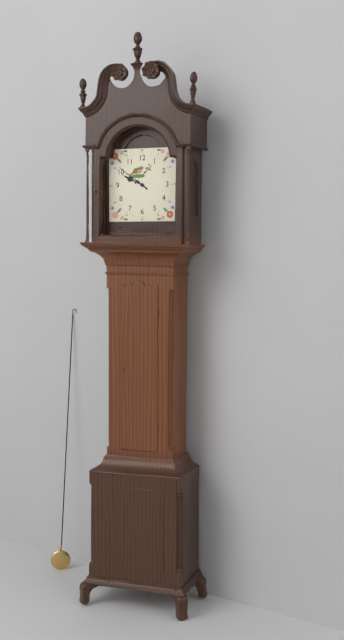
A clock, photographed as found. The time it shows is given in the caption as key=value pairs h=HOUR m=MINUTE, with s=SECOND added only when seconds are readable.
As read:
h=9 m=51
